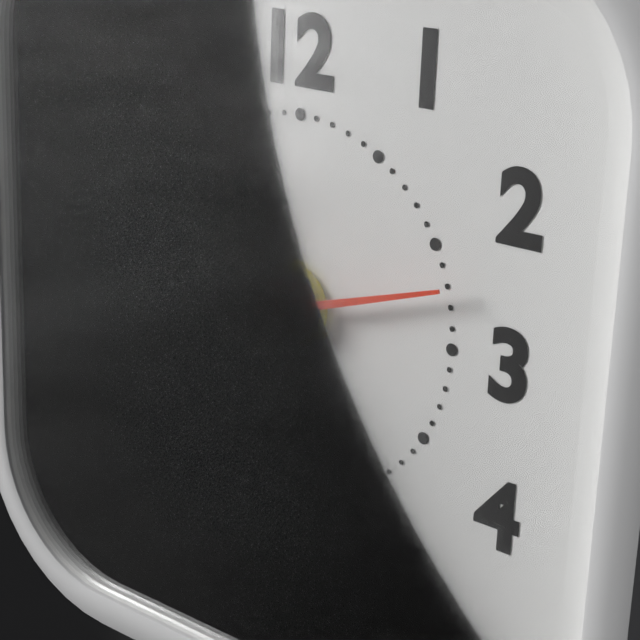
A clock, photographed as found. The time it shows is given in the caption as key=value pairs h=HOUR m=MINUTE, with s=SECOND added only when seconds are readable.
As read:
h=5 m=52 s=12
